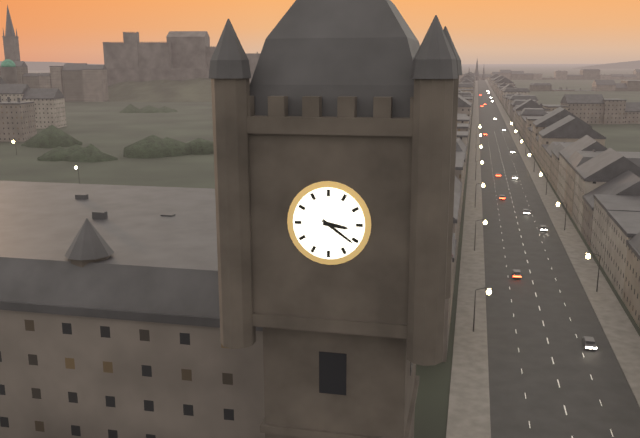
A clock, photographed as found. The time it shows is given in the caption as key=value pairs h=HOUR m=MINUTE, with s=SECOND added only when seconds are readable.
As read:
h=3 m=21
